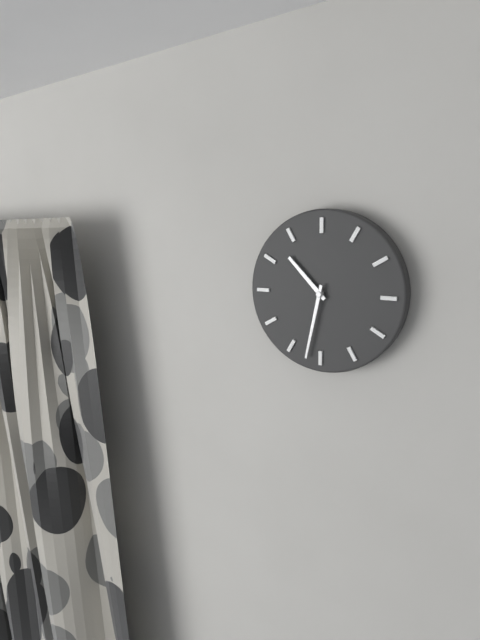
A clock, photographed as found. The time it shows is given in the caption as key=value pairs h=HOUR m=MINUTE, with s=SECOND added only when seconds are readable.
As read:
h=10 m=32
